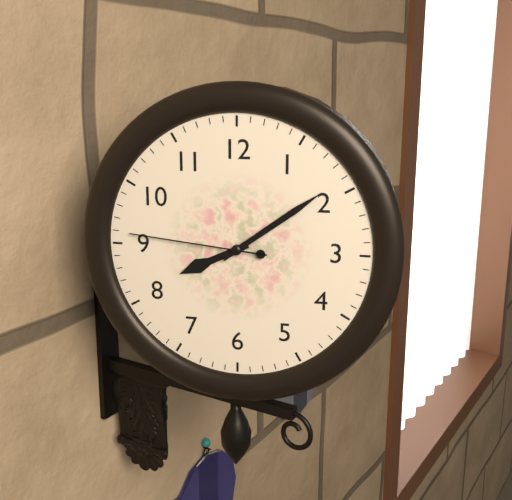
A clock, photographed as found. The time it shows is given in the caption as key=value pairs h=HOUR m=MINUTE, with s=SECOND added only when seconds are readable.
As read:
h=8 m=9 s=46
